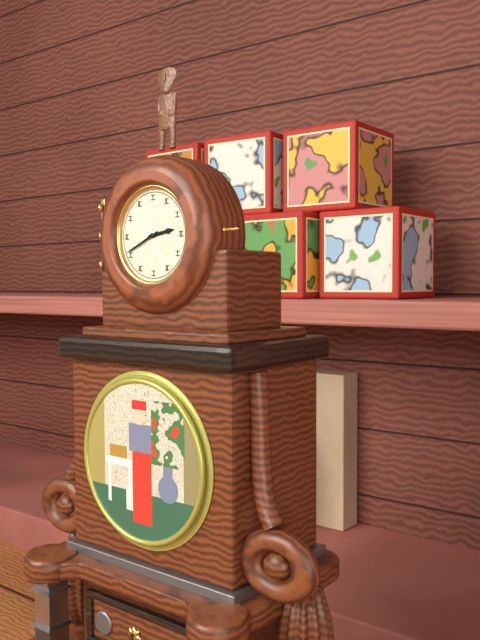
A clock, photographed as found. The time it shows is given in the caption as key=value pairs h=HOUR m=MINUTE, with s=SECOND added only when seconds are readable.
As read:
h=2 m=41
